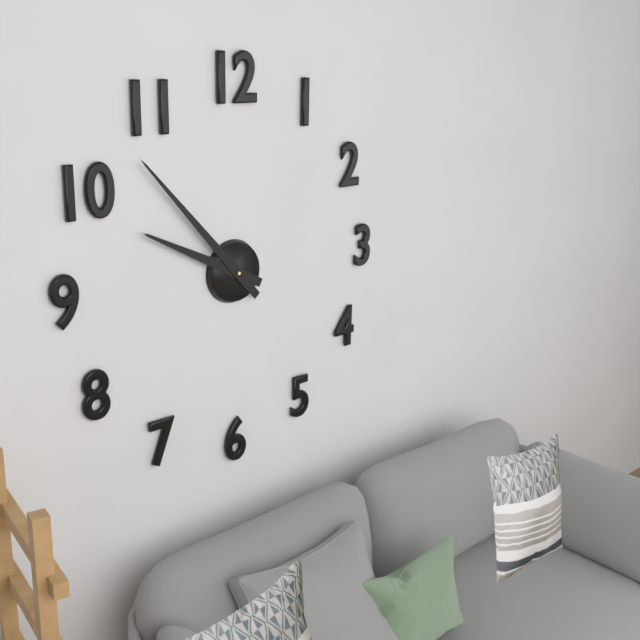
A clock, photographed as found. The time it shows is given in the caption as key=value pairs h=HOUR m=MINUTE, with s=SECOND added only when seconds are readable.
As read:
h=9 m=53
